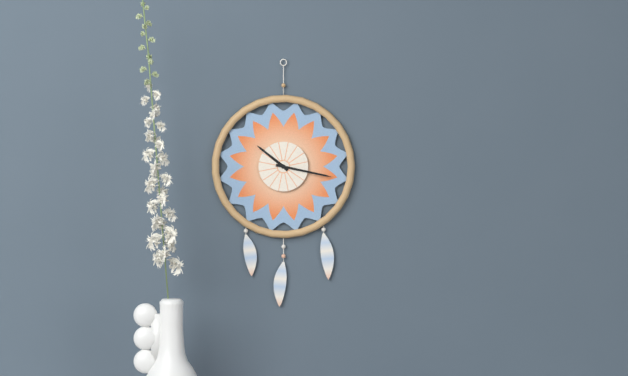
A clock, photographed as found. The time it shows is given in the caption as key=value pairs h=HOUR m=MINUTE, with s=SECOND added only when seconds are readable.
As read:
h=10 m=17
